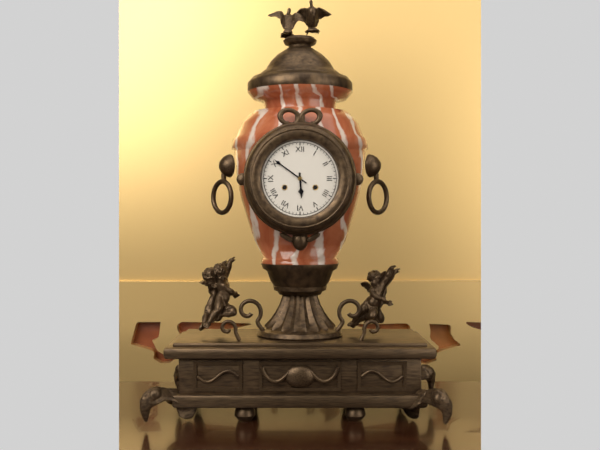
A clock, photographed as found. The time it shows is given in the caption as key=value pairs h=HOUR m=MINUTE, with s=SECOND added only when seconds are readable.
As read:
h=5 m=51
